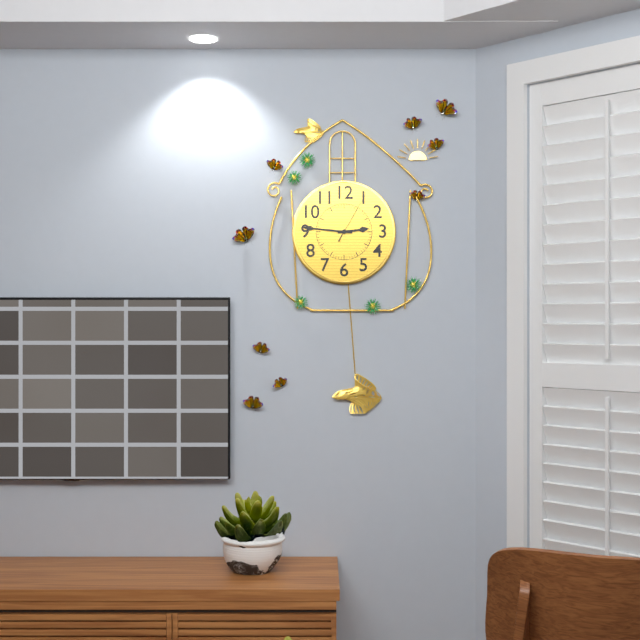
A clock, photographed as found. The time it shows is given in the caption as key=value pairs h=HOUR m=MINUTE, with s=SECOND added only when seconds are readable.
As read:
h=2 m=46 s=5
